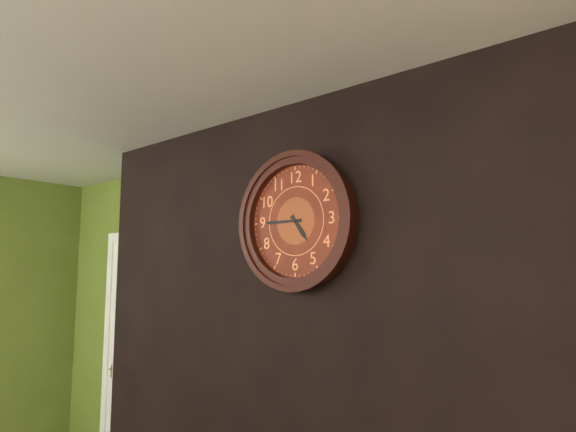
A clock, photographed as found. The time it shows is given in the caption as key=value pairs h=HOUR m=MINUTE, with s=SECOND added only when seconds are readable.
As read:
h=4 m=45
